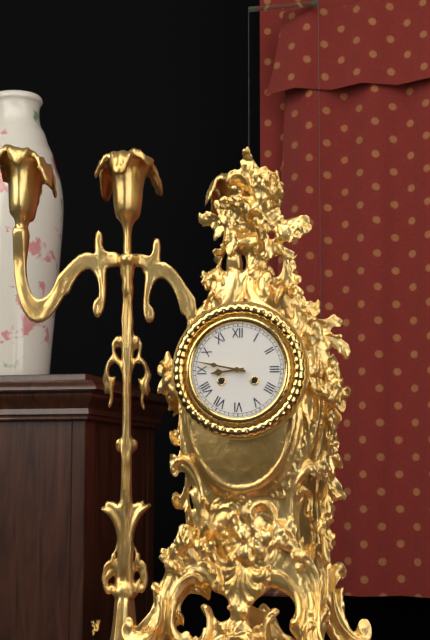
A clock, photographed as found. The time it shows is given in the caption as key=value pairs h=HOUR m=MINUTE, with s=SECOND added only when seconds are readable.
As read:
h=8 m=47
